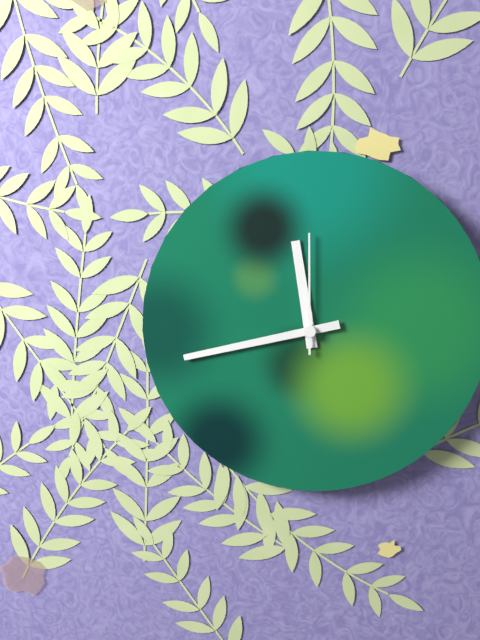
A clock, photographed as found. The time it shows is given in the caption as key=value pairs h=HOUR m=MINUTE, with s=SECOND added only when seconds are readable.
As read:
h=11 m=43 s=0
